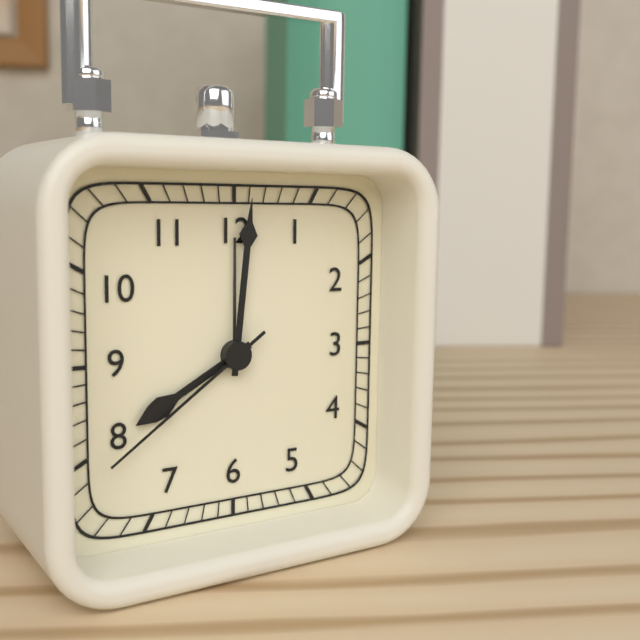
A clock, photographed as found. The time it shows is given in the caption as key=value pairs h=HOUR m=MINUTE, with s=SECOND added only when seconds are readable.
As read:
h=8 m=1 s=39
